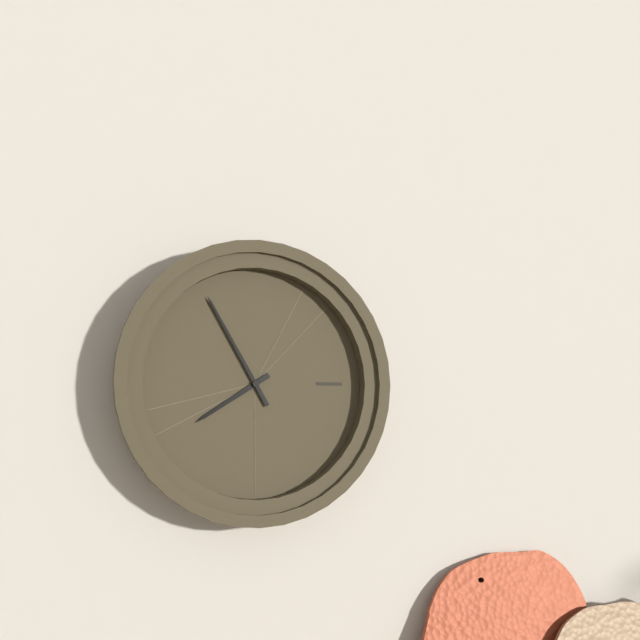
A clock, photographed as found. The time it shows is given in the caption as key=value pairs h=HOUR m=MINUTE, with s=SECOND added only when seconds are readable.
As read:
h=7 m=55
